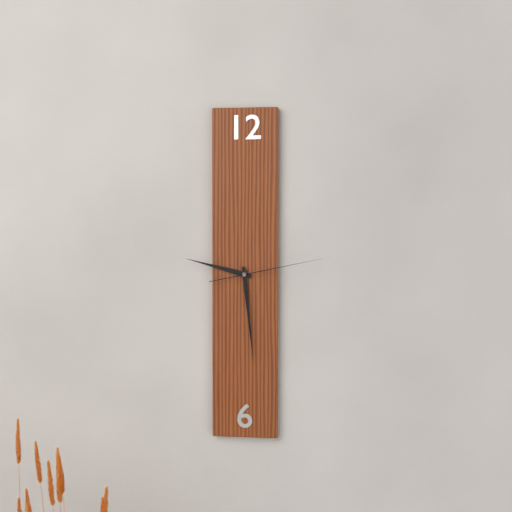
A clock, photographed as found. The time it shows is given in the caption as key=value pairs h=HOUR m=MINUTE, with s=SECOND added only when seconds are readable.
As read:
h=9 m=29 s=13
